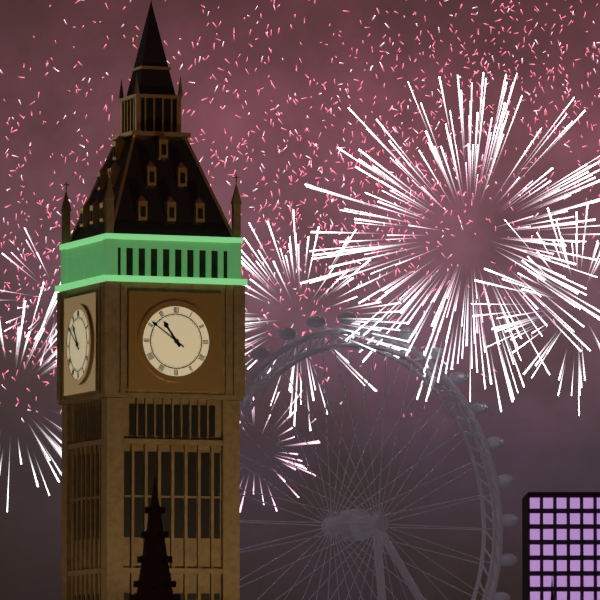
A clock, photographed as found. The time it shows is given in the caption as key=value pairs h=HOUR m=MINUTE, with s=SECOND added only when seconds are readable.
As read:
h=10 m=51
